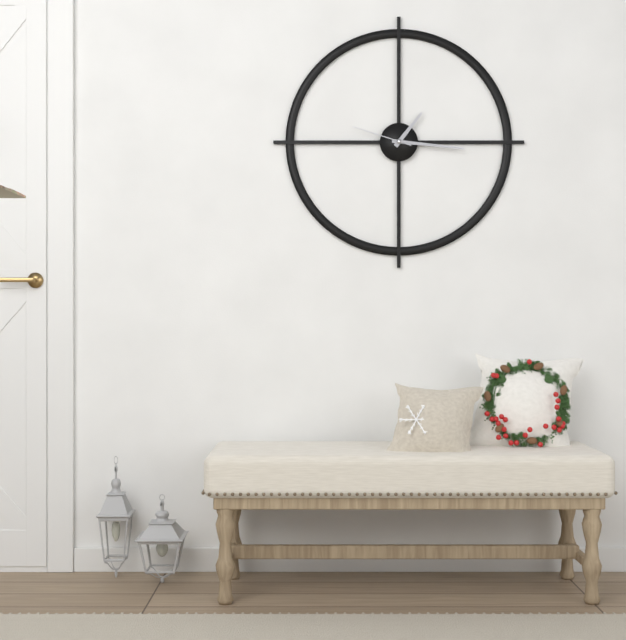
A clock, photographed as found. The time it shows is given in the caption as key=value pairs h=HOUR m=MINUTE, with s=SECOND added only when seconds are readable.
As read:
h=1 m=16 s=48
